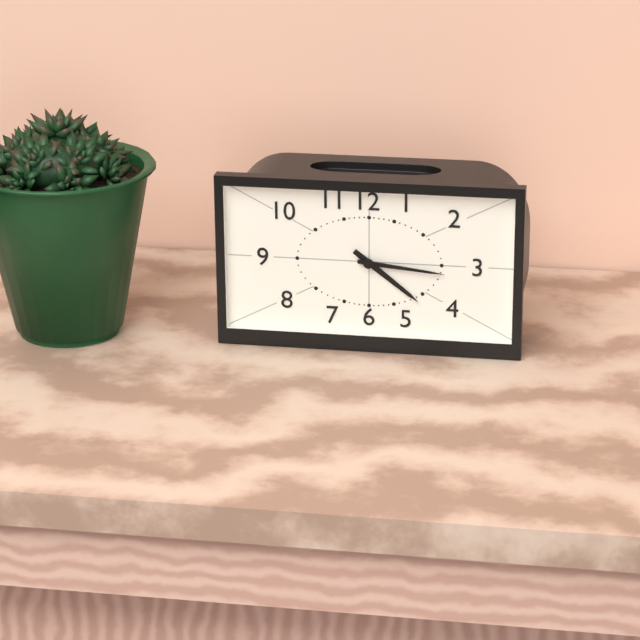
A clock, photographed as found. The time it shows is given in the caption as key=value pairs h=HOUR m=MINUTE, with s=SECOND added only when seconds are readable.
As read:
h=4 m=16
